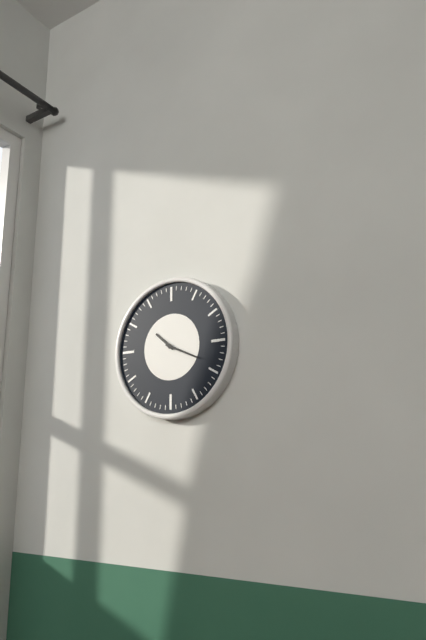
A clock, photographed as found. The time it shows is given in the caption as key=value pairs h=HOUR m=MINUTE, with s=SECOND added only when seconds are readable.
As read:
h=10 m=19
